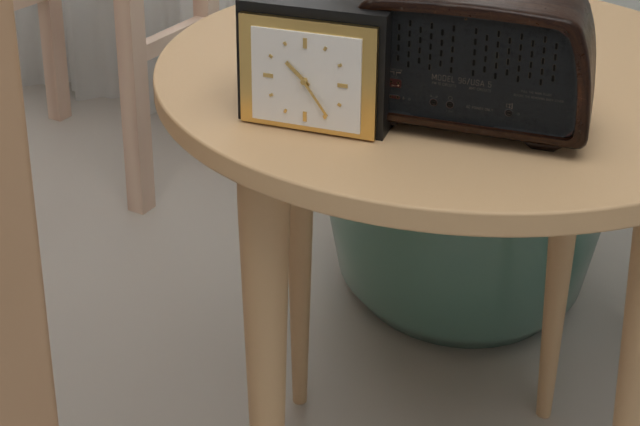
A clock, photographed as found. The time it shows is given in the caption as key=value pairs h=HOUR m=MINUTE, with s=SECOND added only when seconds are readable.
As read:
h=10 m=24
